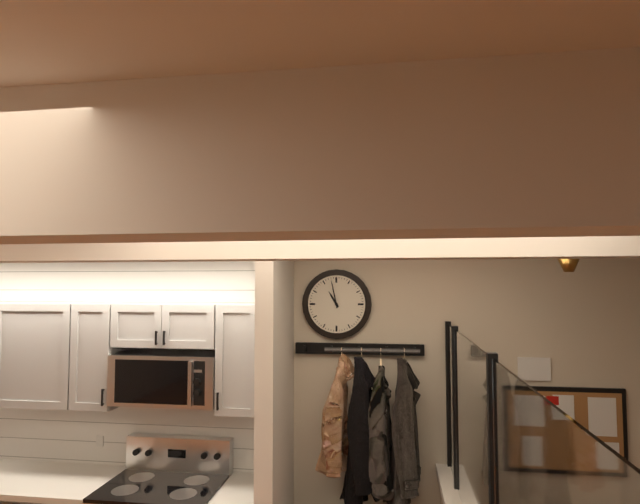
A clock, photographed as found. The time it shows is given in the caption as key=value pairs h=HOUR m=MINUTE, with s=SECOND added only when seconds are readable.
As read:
h=10 m=58
